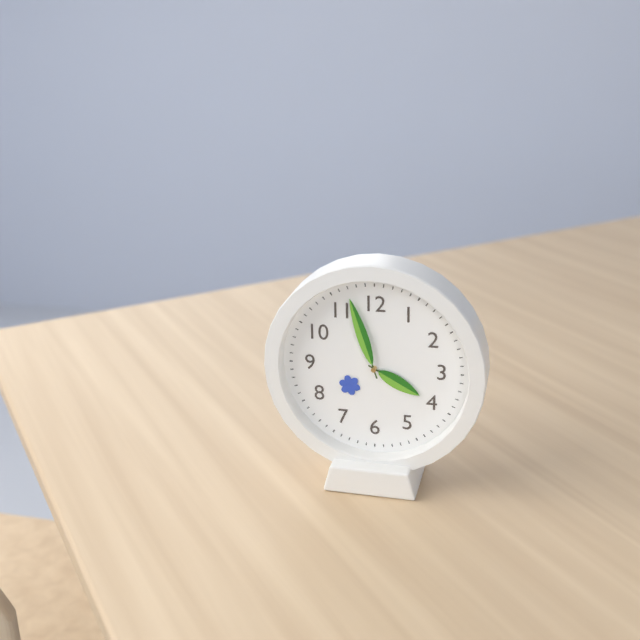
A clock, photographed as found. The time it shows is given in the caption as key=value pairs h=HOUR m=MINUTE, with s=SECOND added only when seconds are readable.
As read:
h=3 m=57
